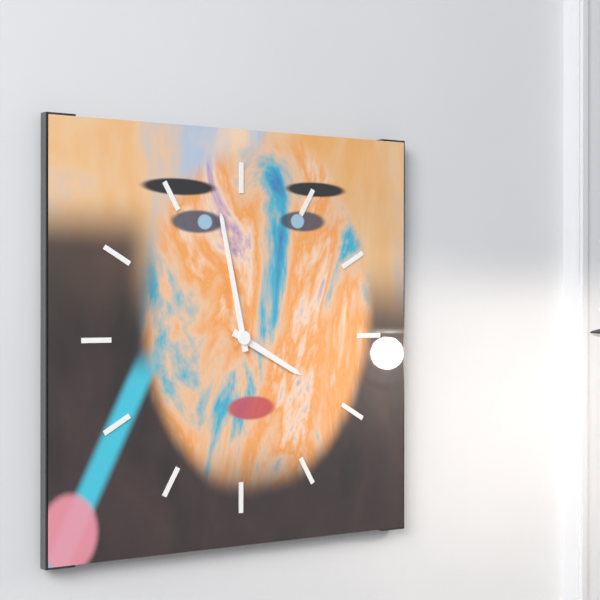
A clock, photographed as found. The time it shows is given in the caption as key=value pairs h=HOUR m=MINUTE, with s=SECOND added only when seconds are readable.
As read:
h=3 m=58
